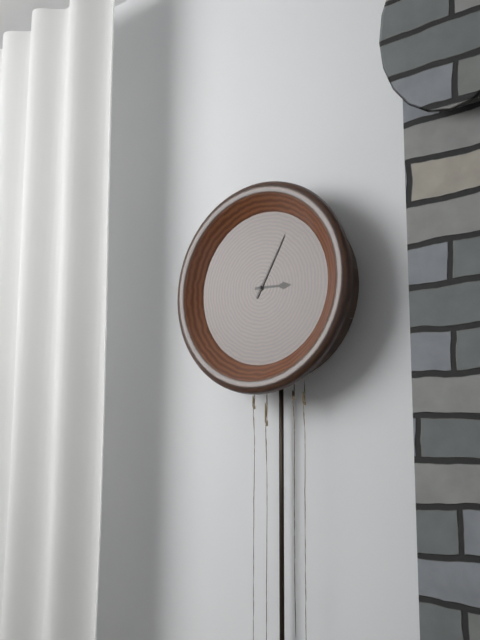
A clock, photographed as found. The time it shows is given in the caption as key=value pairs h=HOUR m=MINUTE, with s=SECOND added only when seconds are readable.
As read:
h=3 m=5
